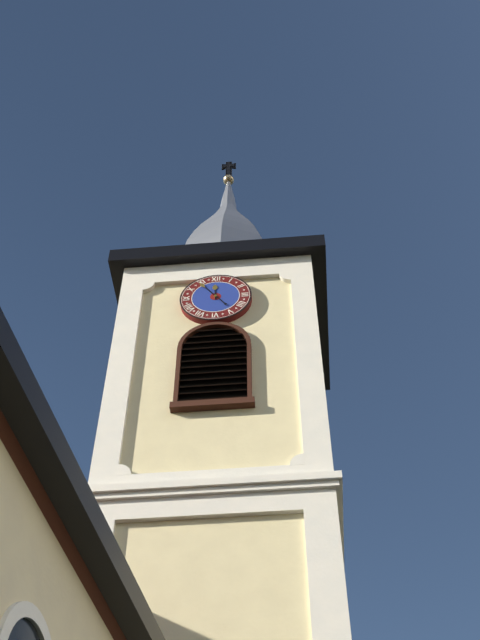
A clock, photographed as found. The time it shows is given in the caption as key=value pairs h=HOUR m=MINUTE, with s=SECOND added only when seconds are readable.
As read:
h=11 m=54
